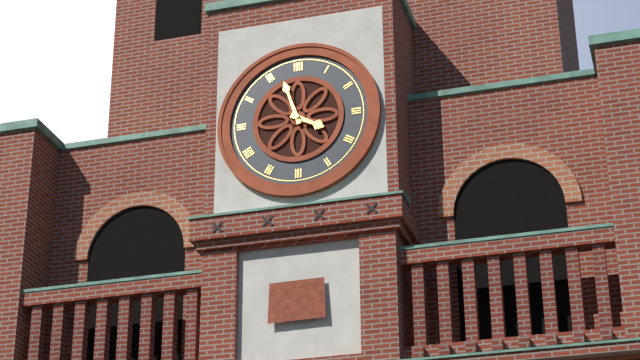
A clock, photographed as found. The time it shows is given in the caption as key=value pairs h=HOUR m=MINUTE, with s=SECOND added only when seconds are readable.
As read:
h=3 m=57
